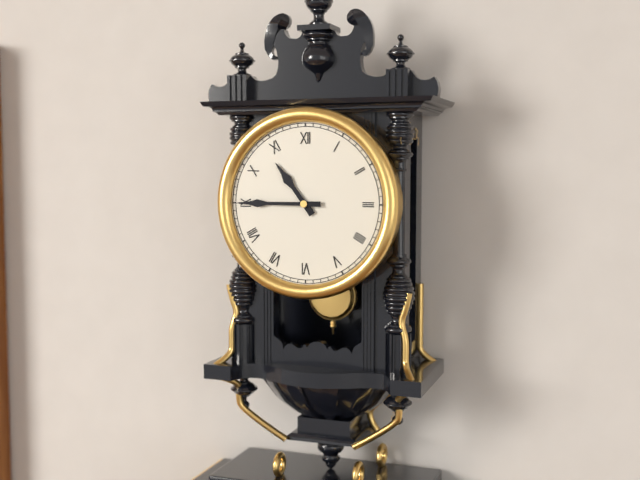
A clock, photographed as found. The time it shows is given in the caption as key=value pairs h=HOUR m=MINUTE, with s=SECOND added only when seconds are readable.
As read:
h=10 m=45
